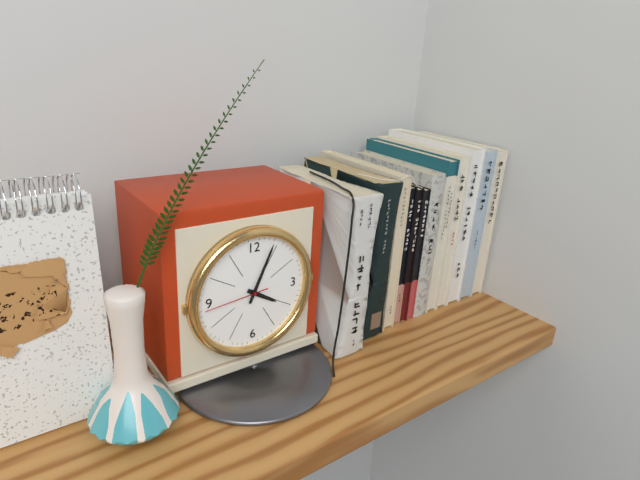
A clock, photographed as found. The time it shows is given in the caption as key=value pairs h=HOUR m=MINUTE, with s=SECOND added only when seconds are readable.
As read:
h=4 m=4 s=44
